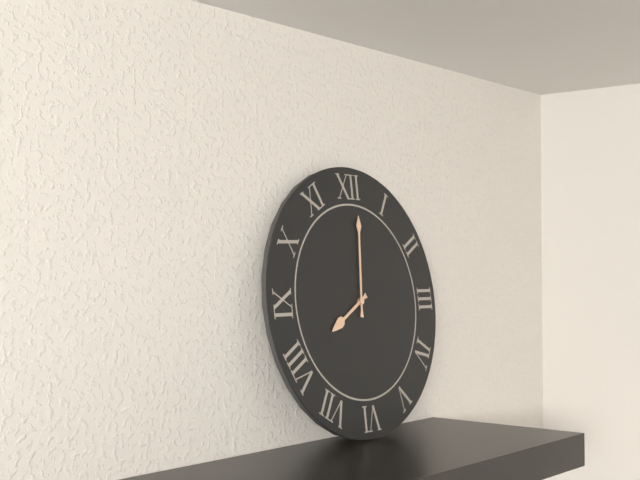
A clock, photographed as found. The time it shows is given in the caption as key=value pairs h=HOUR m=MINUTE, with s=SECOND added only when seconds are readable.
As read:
h=8 m=1
